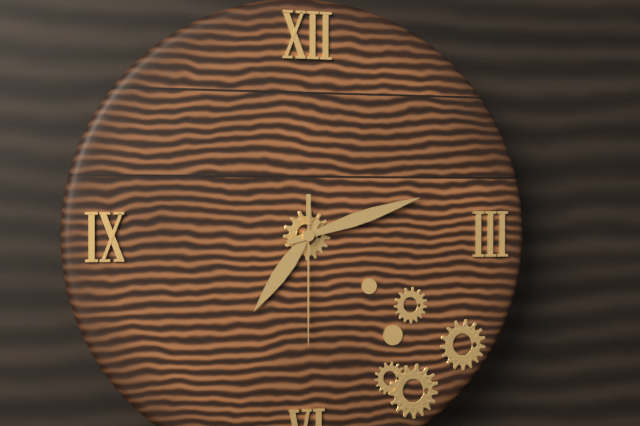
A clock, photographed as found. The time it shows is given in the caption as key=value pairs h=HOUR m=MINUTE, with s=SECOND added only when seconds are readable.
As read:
h=7 m=12 s=30
